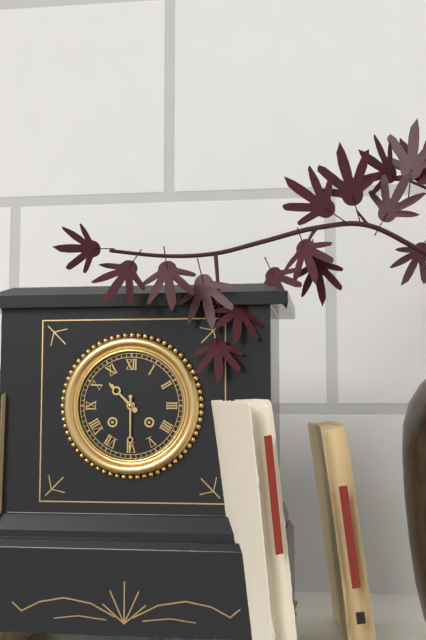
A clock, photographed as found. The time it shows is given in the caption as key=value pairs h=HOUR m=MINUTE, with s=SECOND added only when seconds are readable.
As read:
h=10 m=30
